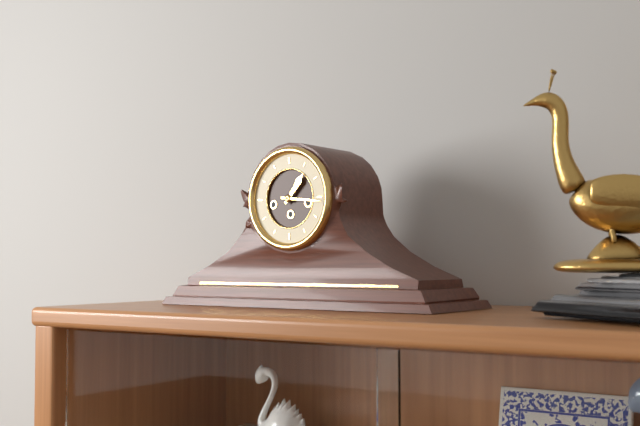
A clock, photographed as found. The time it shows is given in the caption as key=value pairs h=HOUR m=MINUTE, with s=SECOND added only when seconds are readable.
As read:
h=1 m=16
